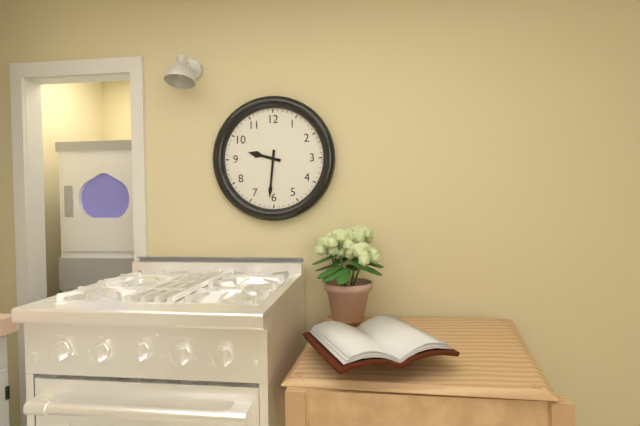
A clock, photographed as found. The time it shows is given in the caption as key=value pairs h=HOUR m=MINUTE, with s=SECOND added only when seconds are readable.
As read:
h=9 m=31
